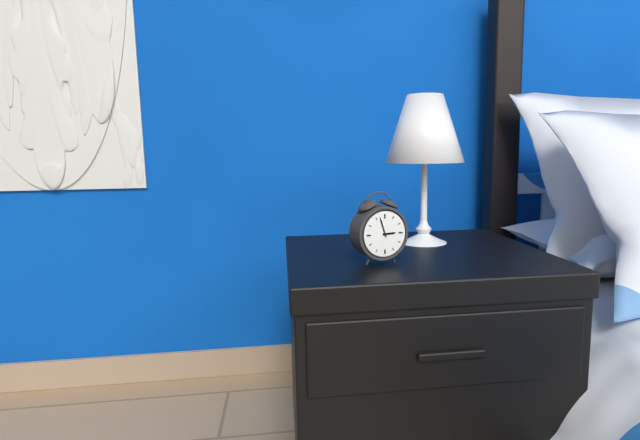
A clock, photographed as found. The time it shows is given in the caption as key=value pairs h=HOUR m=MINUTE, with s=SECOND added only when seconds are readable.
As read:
h=2 m=57
